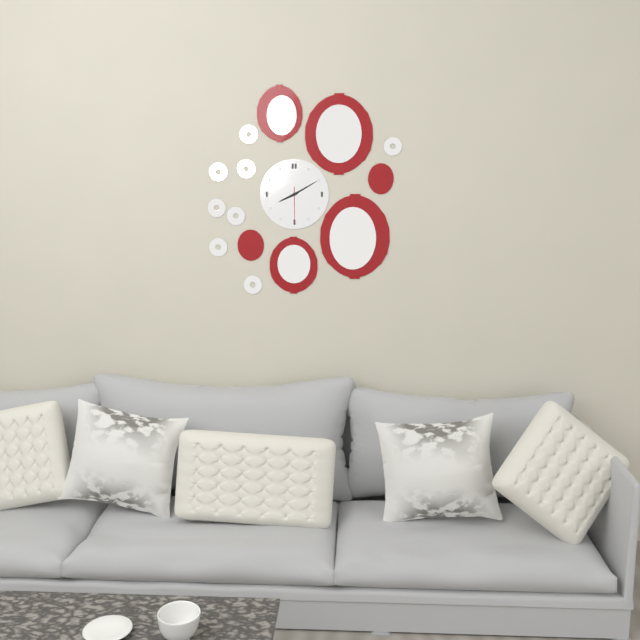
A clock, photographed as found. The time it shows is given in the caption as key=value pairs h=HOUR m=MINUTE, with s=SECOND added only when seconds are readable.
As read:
h=8 m=10
